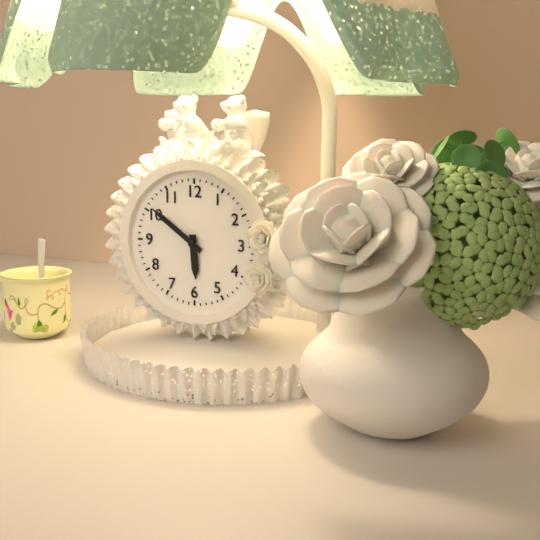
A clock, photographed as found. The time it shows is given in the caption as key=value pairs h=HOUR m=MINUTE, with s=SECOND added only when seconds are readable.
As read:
h=5 m=51
